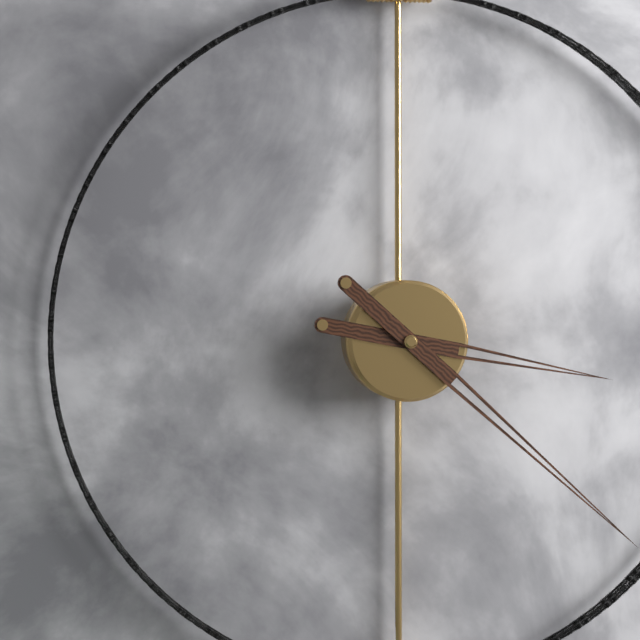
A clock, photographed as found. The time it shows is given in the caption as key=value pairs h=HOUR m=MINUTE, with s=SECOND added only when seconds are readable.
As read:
h=3 m=22
